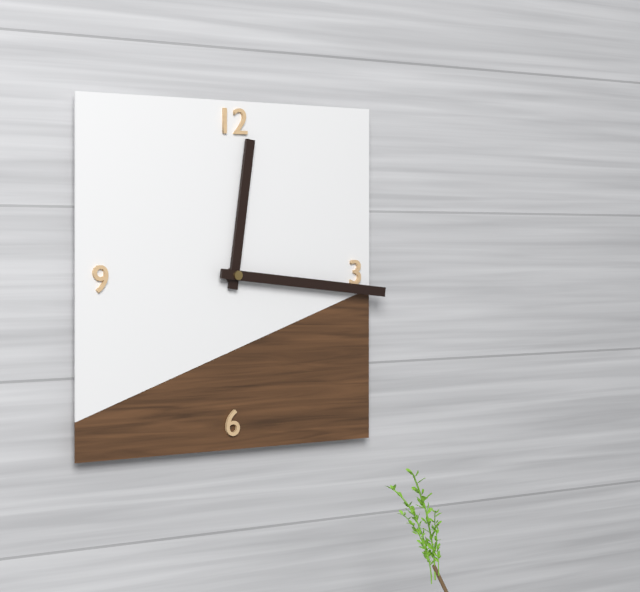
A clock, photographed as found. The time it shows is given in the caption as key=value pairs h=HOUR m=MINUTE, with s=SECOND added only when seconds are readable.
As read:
h=12 m=16
